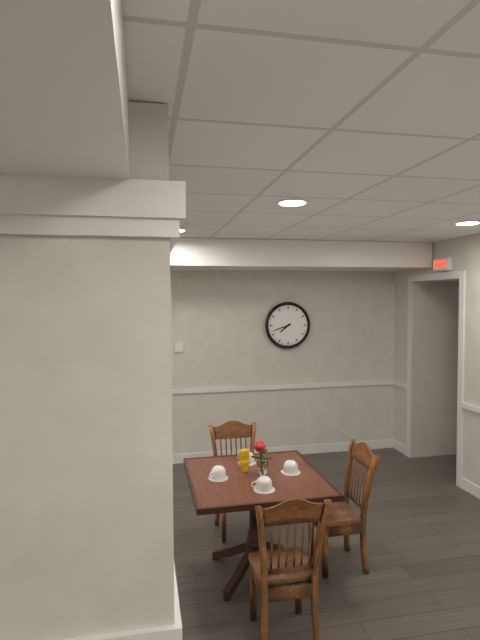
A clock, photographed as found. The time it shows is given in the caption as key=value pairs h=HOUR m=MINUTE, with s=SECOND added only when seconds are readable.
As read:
h=7 m=42
